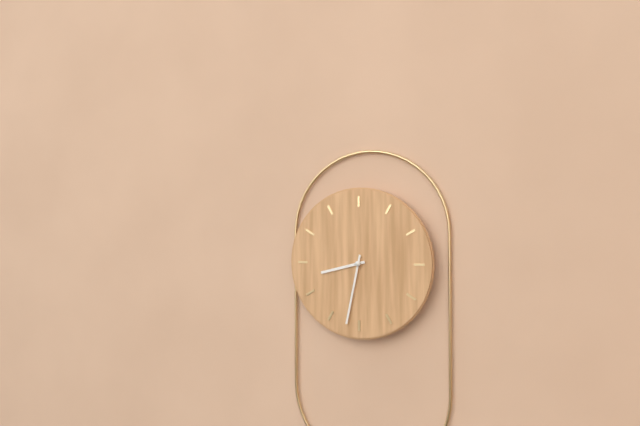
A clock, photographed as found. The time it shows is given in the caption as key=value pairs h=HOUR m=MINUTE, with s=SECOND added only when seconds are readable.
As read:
h=8 m=32
